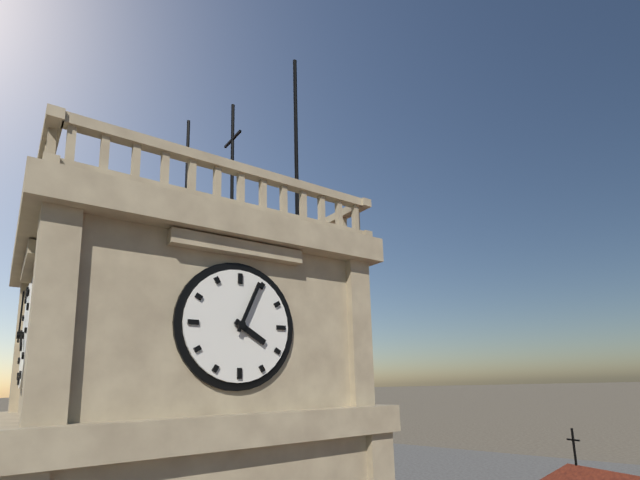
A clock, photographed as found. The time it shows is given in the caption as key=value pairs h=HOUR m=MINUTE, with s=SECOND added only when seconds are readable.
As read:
h=4 m=4
